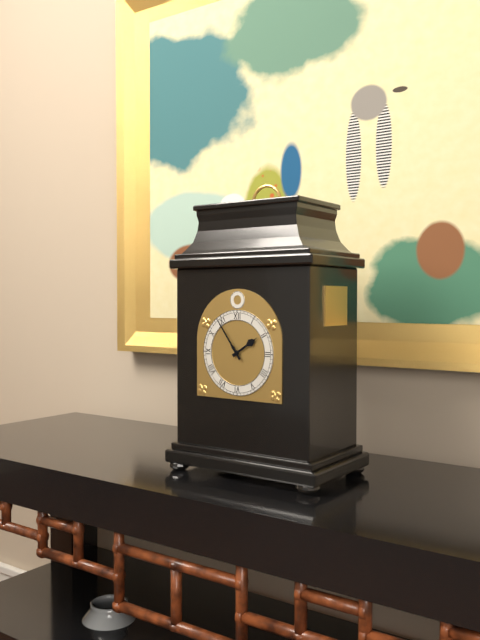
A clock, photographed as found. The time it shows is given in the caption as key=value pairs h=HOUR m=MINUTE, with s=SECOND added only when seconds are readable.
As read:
h=1 m=54
